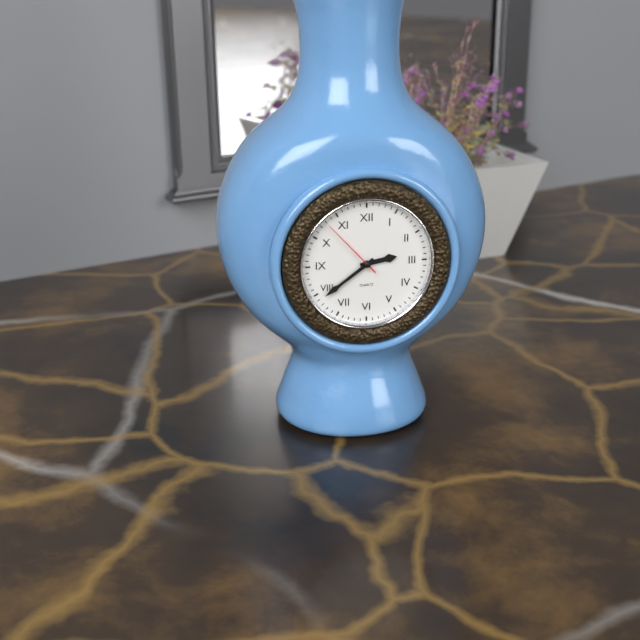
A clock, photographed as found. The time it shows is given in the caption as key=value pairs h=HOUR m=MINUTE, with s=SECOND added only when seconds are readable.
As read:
h=2 m=39 s=53
